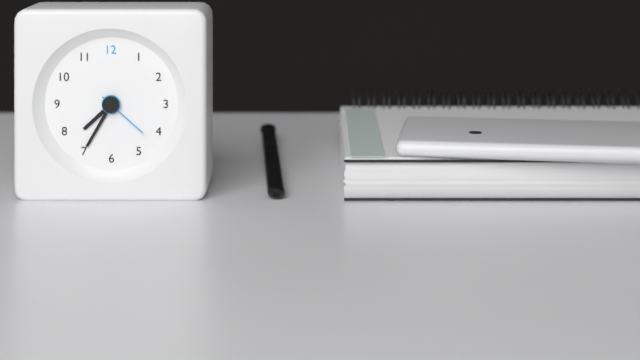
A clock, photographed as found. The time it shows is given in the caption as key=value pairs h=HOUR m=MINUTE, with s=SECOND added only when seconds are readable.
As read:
h=7 m=35 s=22
